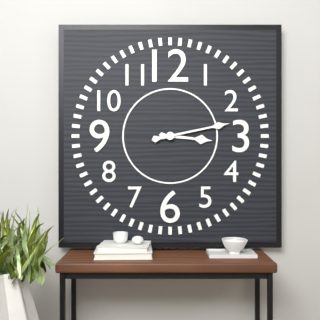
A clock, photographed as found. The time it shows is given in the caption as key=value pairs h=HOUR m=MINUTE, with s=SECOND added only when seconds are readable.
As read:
h=3 m=13
